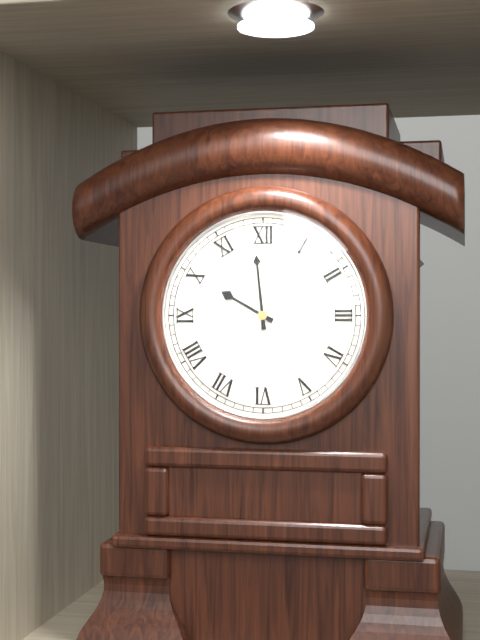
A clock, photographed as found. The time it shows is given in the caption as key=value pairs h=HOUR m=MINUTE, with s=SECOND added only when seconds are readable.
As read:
h=9 m=59
